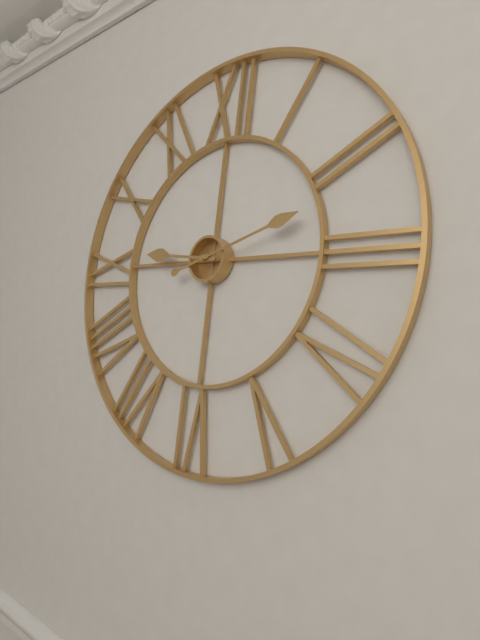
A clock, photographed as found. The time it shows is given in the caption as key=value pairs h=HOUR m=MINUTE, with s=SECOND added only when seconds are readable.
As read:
h=9 m=12
